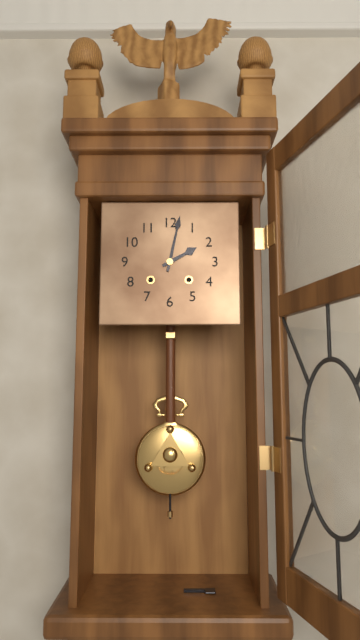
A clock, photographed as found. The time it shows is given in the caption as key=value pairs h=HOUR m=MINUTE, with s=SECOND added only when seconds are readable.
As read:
h=2 m=2
